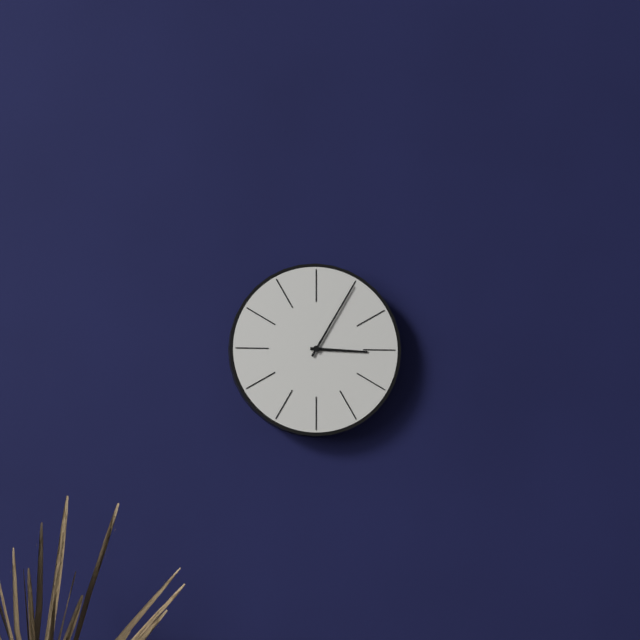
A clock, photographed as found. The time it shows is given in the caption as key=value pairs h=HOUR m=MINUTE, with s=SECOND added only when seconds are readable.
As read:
h=3 m=5
